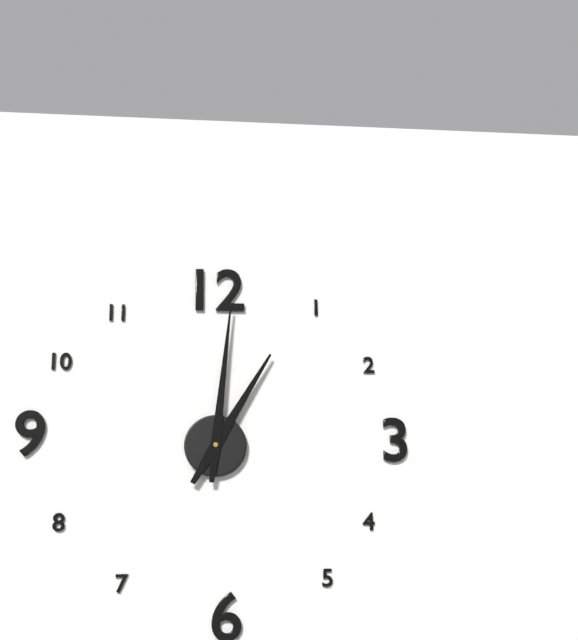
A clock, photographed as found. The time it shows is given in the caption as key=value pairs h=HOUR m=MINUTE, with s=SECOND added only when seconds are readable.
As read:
h=1 m=1
